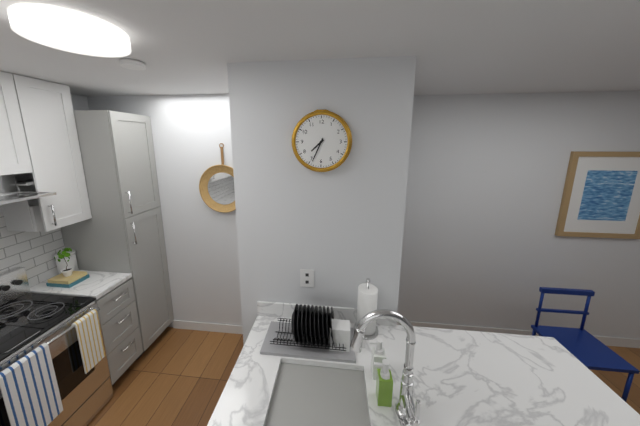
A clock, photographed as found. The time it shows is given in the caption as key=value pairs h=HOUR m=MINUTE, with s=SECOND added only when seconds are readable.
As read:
h=7 m=34
